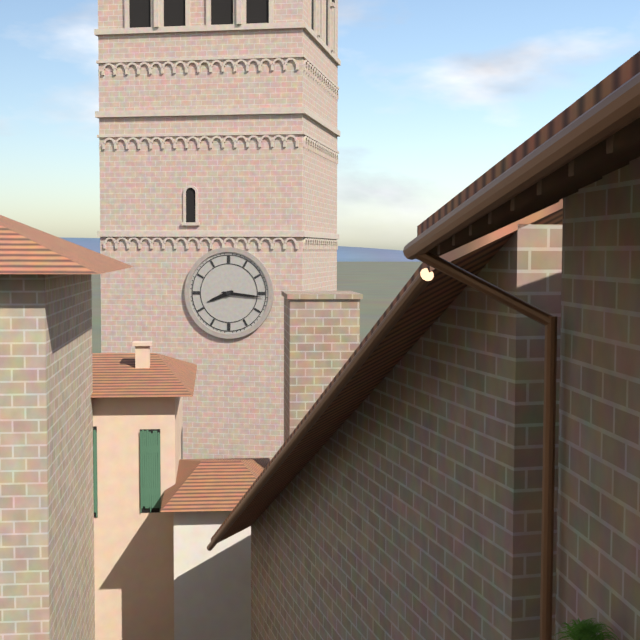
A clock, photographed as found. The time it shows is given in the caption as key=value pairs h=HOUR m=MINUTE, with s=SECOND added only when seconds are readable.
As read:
h=8 m=16
